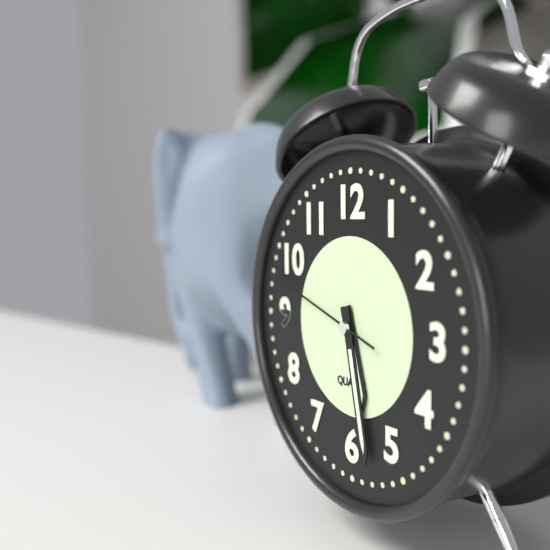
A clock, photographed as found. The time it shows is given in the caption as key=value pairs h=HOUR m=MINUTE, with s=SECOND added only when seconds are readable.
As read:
h=5 m=28 s=48
